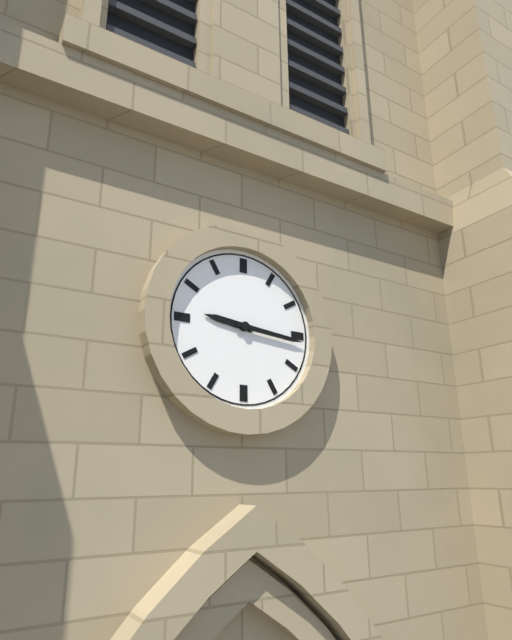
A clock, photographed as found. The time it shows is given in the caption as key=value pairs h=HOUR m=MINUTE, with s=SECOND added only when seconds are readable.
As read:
h=9 m=16
